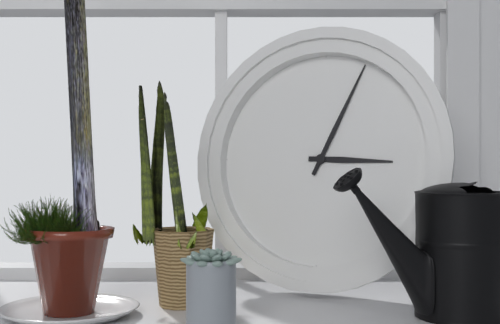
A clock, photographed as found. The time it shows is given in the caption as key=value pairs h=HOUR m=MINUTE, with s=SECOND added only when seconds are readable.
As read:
h=3 m=4
